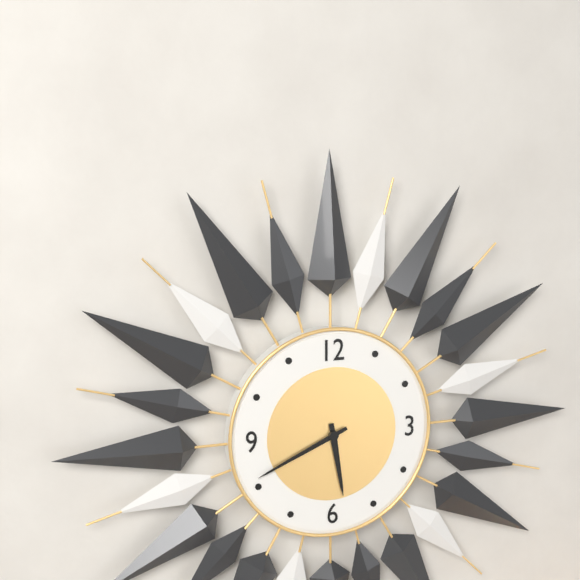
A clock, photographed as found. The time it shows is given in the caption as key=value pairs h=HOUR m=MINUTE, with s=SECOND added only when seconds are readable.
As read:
h=5 m=41
